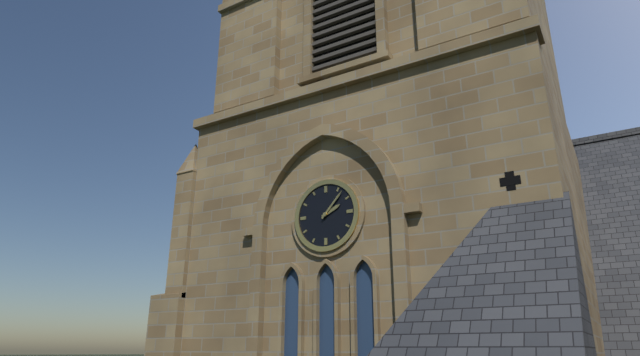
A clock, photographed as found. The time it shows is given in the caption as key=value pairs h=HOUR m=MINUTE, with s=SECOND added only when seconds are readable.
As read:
h=2 m=7
